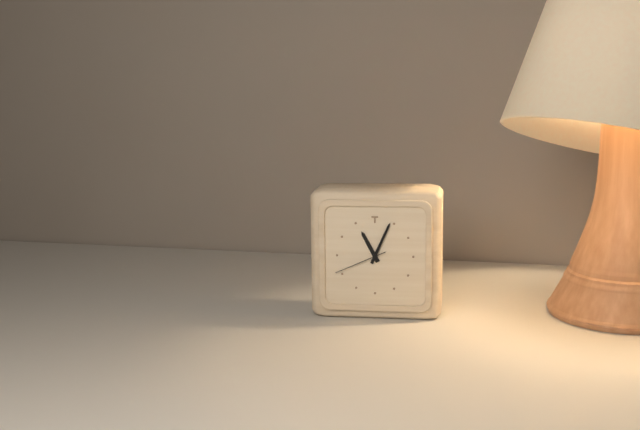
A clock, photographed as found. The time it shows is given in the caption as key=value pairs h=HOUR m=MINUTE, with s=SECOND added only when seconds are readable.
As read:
h=11 m=4 s=41
